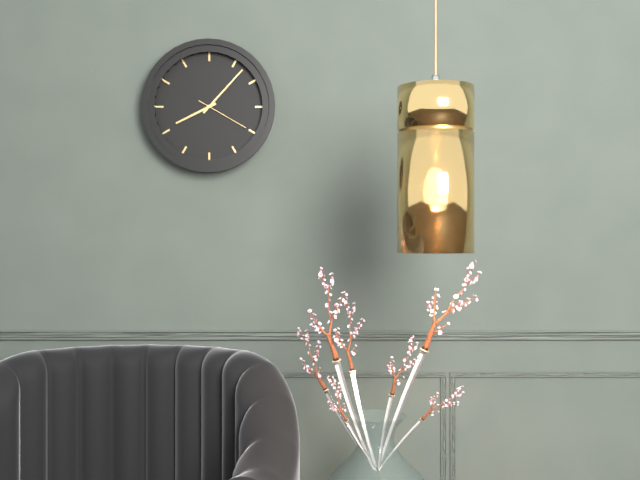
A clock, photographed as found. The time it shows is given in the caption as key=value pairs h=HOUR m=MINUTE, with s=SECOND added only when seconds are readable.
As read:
h=8 m=7 s=20
